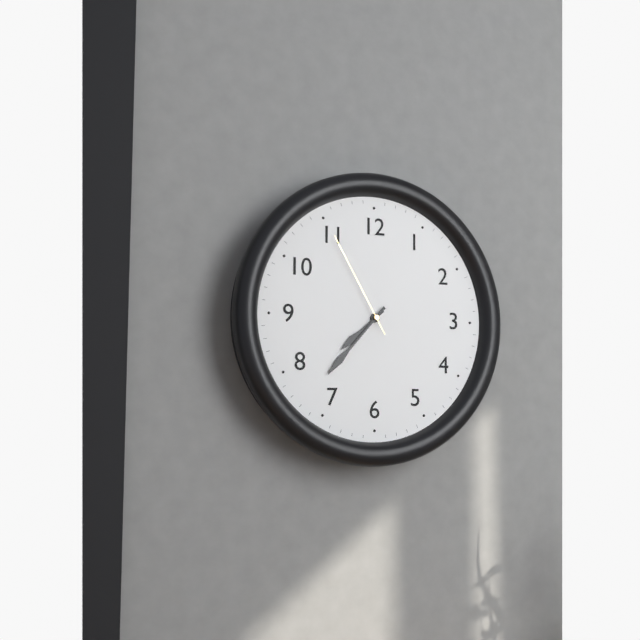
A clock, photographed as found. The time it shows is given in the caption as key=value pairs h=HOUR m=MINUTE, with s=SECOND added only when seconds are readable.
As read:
h=7 m=37 s=55
